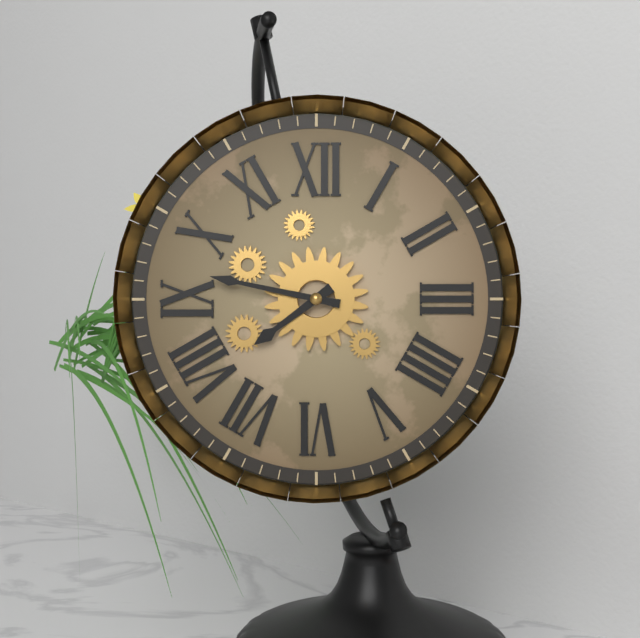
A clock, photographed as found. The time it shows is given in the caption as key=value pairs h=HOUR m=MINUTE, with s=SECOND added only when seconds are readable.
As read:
h=7 m=47
